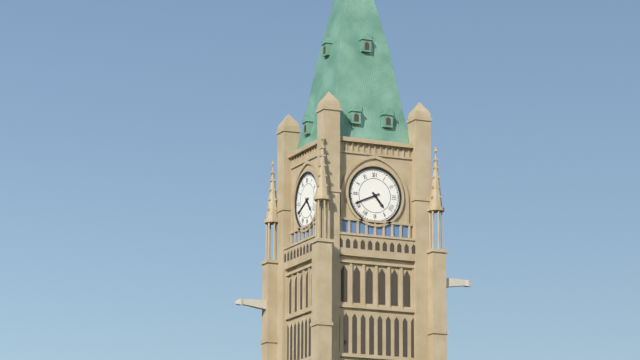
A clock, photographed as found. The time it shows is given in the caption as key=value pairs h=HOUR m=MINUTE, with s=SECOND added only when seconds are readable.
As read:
h=4 m=41
